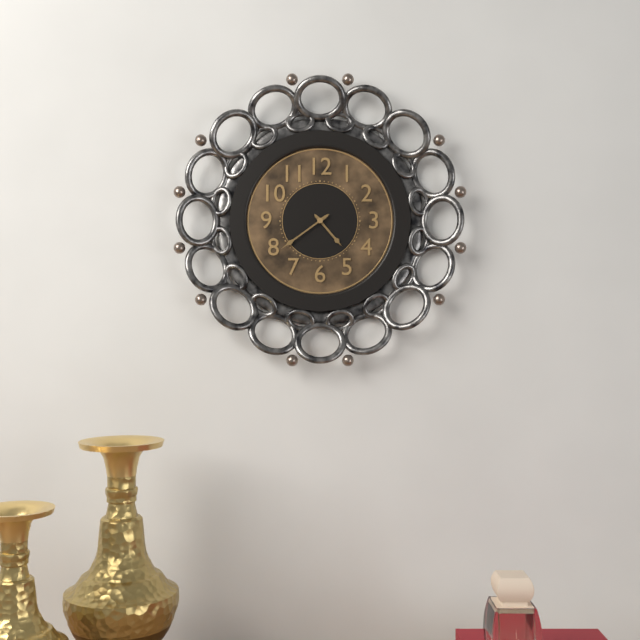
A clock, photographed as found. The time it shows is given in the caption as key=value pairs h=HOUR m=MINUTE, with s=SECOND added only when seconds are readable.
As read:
h=4 m=39
